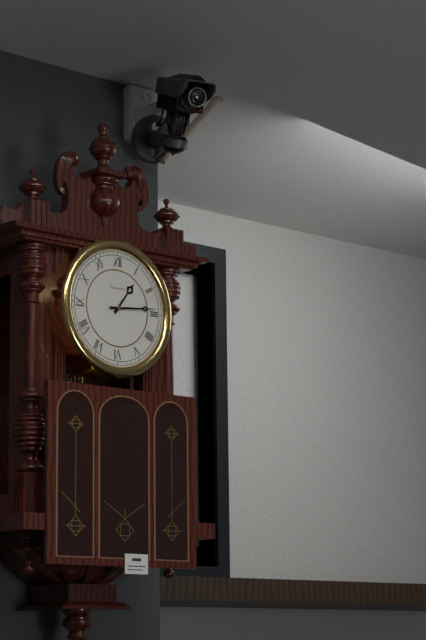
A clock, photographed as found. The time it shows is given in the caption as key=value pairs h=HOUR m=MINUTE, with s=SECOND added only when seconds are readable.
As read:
h=1 m=14
